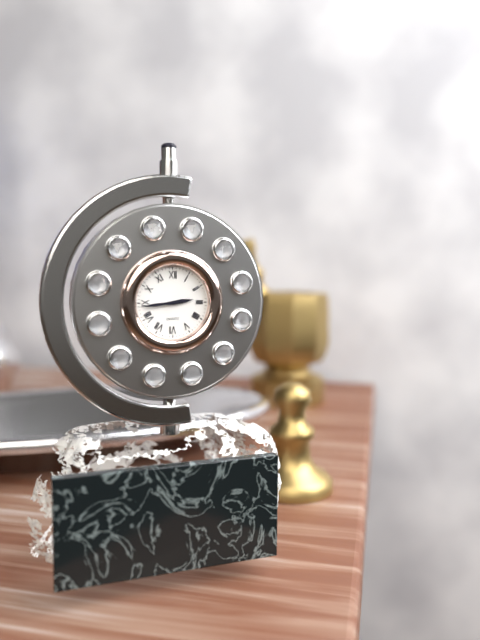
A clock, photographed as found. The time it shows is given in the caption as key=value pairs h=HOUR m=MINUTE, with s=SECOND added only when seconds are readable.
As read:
h=2 m=44
